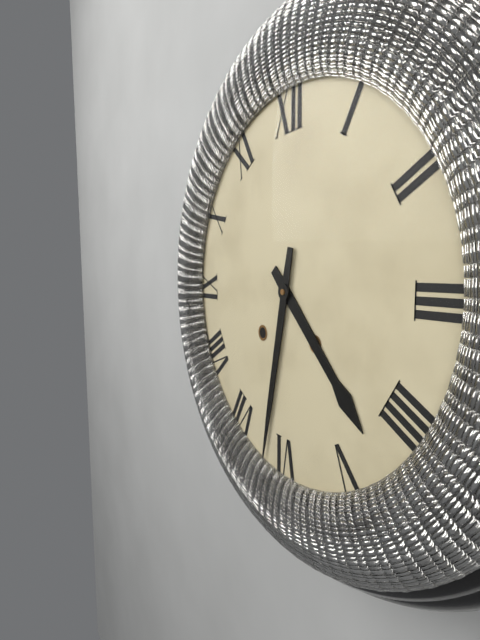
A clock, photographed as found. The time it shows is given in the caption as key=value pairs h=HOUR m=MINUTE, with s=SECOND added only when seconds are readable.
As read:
h=4 m=32
